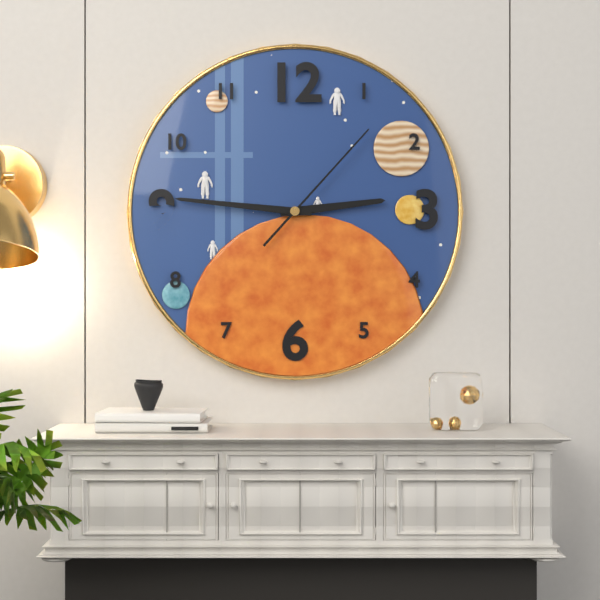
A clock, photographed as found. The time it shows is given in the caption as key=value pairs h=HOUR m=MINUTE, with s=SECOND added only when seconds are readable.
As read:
h=2 m=46 s=7
